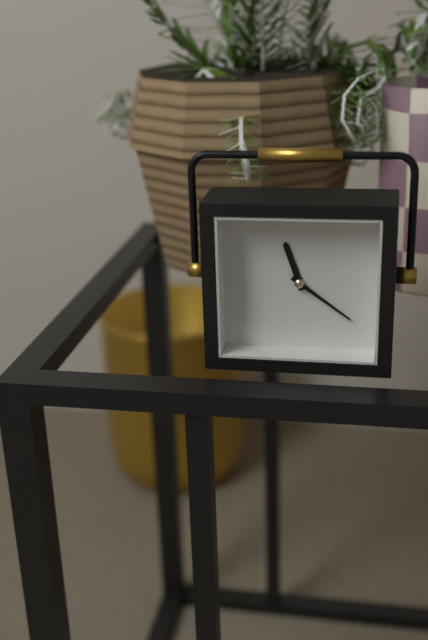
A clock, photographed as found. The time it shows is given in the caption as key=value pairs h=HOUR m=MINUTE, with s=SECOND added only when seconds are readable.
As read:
h=11 m=21
